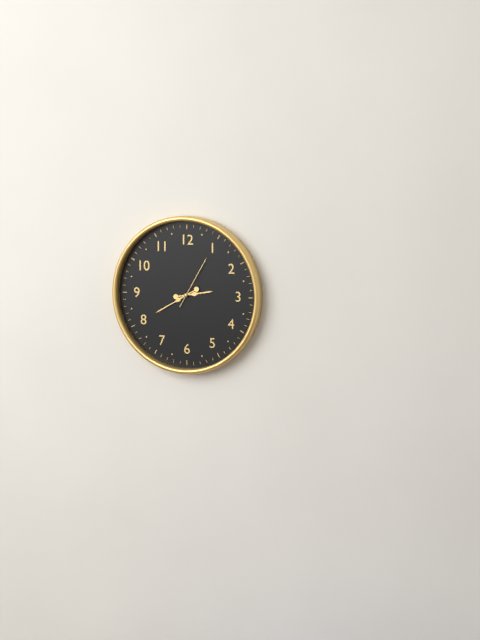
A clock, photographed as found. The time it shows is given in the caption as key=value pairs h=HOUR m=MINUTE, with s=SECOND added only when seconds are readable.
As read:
h=2 m=40 s=5
